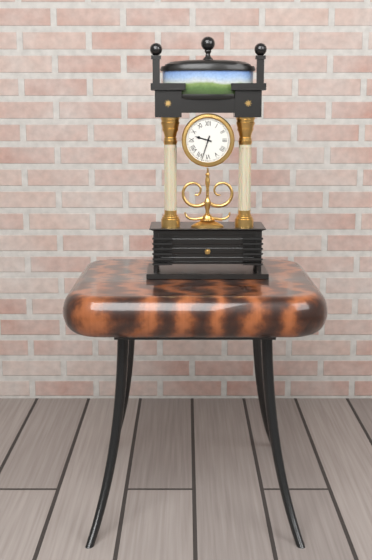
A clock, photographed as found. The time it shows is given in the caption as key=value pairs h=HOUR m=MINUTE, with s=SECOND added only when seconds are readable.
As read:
h=9 m=33
